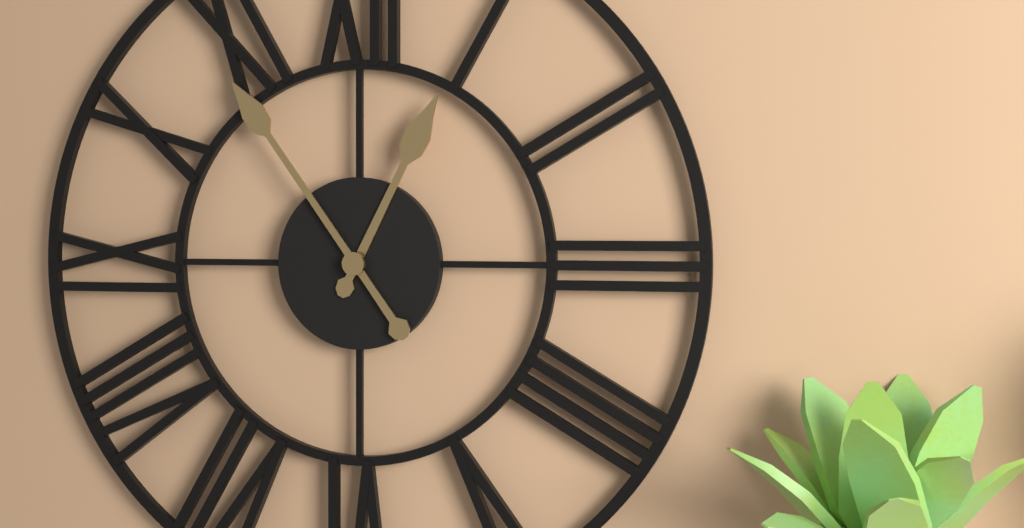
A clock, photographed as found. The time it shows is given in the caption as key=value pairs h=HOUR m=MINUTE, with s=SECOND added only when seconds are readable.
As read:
h=12 m=54
